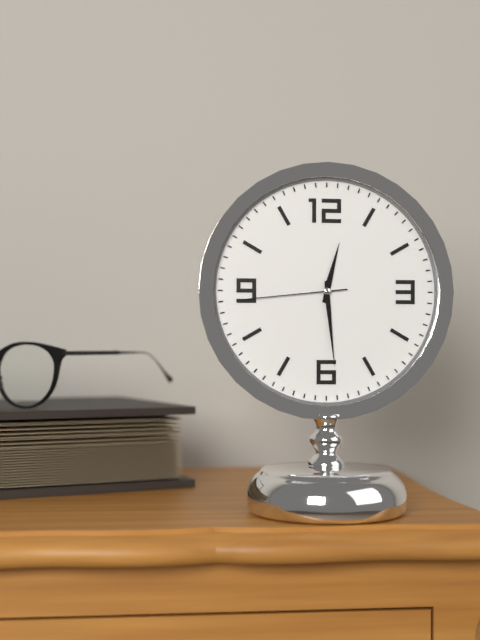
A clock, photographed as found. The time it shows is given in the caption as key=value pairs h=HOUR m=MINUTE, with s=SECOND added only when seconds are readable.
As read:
h=12 m=29 s=44
